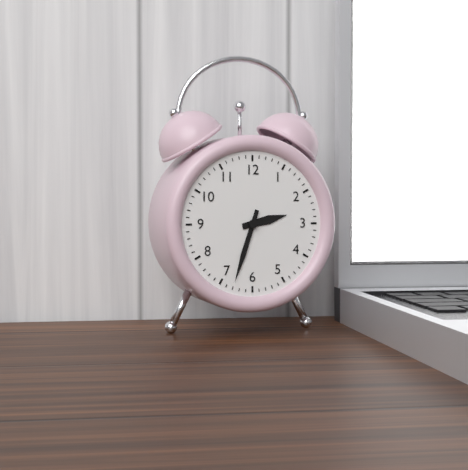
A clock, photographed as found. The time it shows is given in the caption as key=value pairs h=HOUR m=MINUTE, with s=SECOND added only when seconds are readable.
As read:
h=2 m=33
